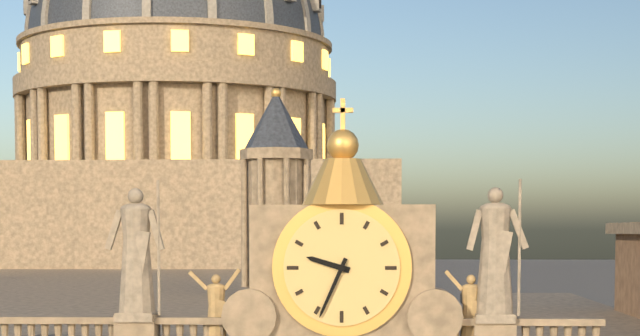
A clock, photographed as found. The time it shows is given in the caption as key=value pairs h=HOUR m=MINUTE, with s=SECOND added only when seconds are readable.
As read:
h=9 m=34
